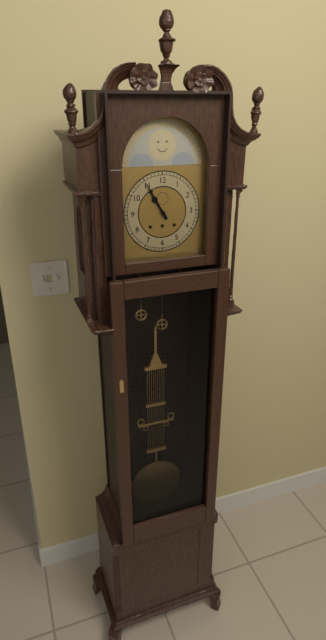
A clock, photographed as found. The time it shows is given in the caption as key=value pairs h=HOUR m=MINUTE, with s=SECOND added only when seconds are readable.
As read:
h=10 m=55
